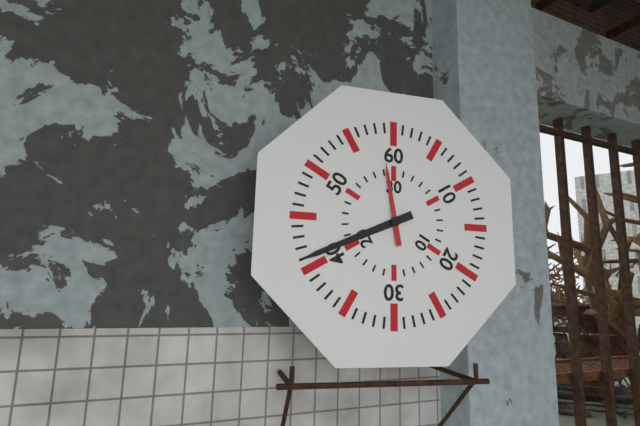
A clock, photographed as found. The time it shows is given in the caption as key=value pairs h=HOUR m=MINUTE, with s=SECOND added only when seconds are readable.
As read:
h=11 m=41
